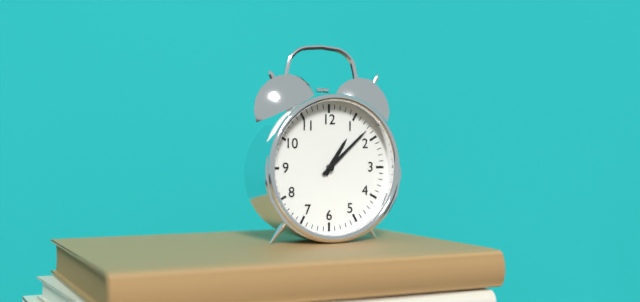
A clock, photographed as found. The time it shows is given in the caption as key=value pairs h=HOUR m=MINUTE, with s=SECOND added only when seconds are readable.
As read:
h=1 m=8
